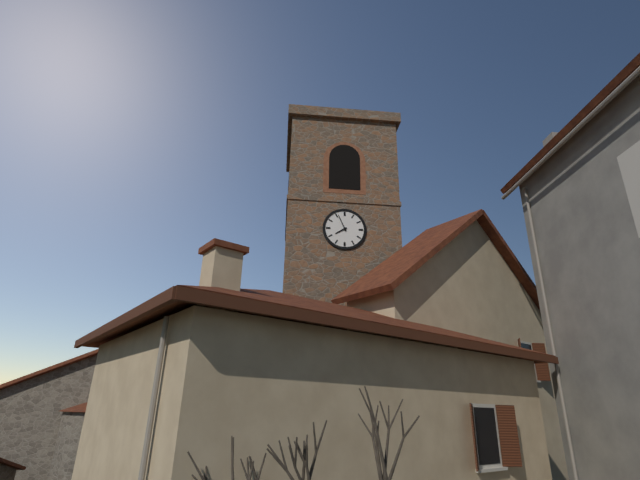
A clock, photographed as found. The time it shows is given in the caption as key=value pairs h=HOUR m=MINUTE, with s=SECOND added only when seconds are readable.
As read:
h=7 m=56
